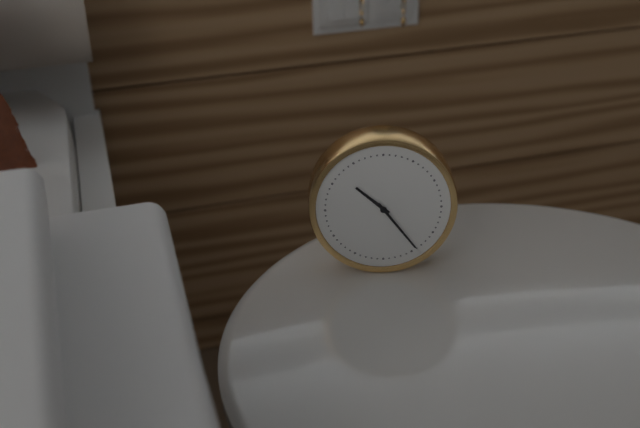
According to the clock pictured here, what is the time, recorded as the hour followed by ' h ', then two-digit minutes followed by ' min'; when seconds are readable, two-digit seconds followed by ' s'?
10 h 24 min
